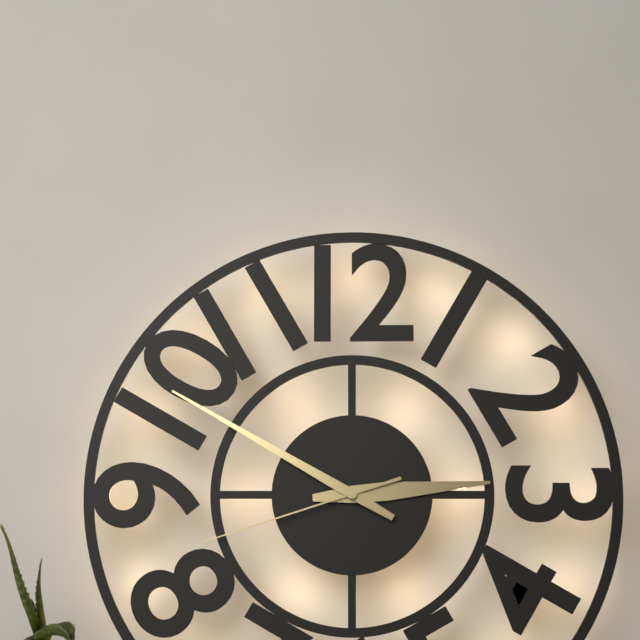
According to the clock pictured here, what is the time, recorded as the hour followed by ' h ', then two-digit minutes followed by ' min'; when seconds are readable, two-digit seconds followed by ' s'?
2 h 50 min 42 s
